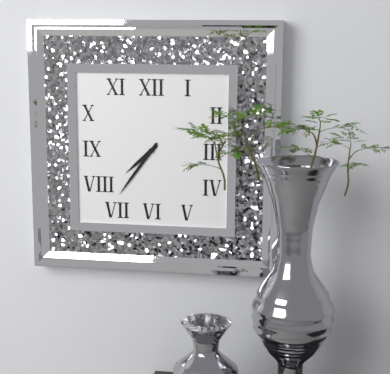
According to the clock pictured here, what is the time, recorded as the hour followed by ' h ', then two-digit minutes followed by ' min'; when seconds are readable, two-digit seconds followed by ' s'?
7 h 36 min
